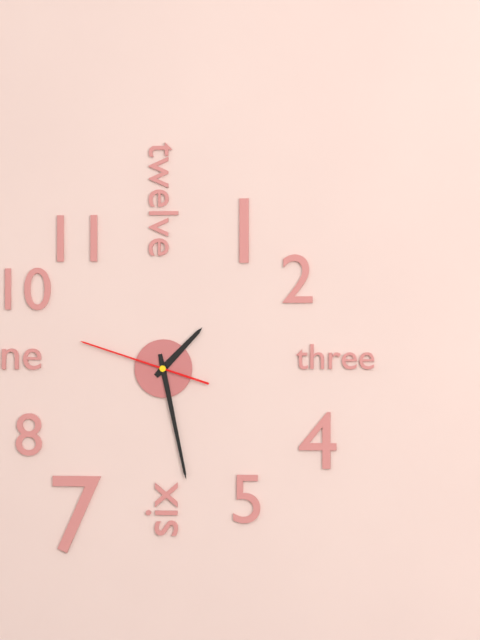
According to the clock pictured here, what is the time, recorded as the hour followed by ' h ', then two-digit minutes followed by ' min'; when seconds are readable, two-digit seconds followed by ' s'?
1 h 28 min 48 s
